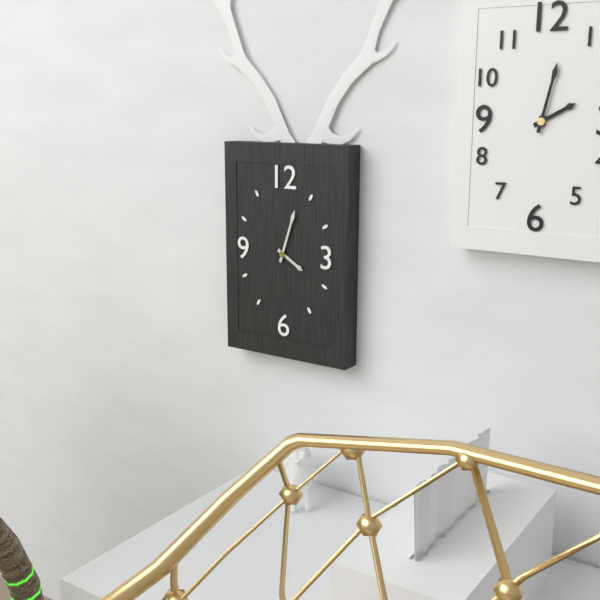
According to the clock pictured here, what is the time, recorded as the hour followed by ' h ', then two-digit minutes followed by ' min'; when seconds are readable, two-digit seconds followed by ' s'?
4 h 03 min
